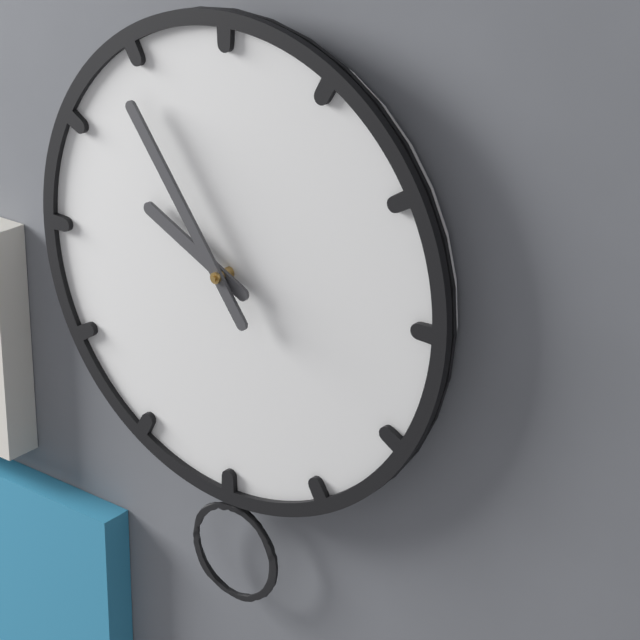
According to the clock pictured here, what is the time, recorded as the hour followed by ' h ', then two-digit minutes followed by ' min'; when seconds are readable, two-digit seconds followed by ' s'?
9 h 54 min
